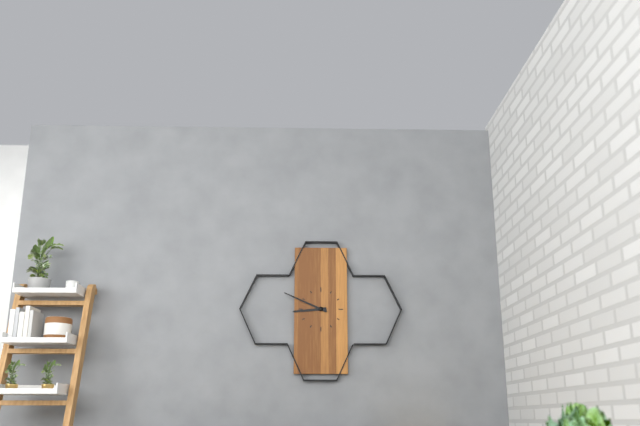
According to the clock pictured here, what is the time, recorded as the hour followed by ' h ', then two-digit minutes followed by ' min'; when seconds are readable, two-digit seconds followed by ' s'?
8 h 49 min
